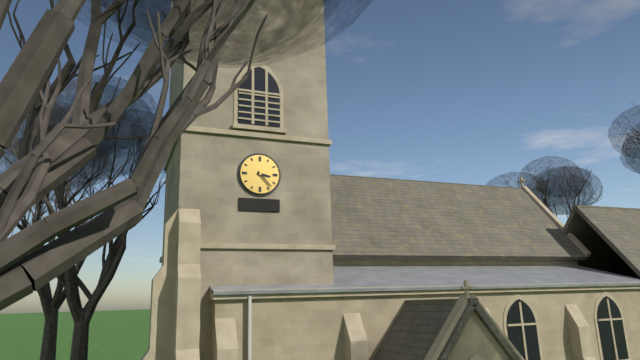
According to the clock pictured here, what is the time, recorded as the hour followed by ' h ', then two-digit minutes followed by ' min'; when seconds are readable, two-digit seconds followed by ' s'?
3 h 23 min
